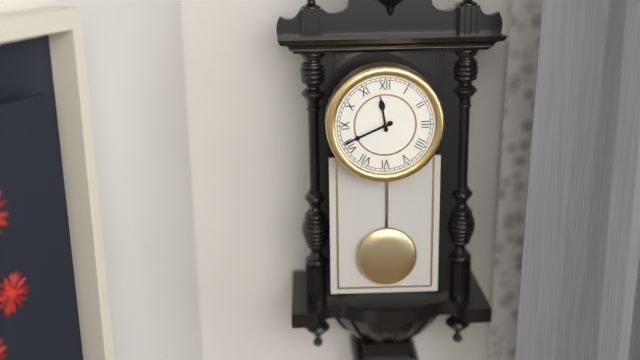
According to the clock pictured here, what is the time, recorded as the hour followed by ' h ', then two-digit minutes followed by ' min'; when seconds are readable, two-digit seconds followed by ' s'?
11 h 41 min
